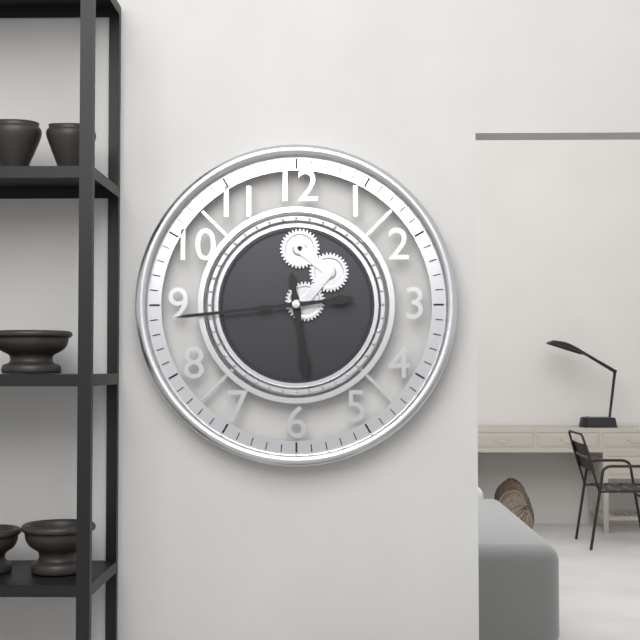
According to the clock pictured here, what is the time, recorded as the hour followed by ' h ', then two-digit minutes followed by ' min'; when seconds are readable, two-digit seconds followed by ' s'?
5 h 44 min
